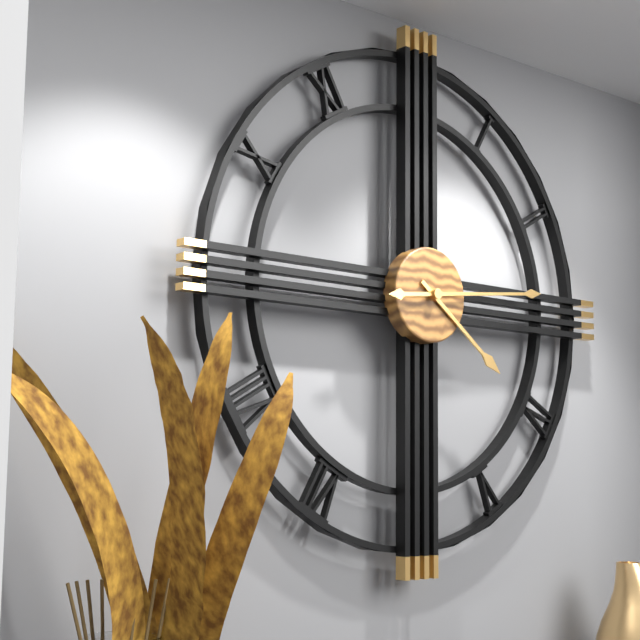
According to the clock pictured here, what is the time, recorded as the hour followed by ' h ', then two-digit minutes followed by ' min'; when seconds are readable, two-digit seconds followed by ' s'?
4 h 14 min
